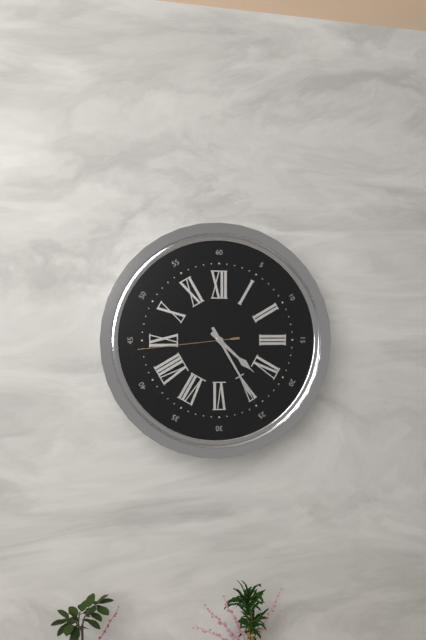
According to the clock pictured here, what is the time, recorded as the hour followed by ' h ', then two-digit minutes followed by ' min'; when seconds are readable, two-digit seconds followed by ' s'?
4 h 25 min 44 s
